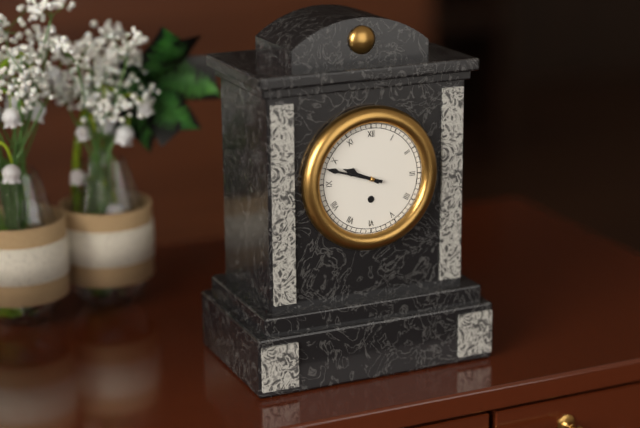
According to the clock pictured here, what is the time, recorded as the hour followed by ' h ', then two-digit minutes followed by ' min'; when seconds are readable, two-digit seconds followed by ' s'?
9 h 48 min
